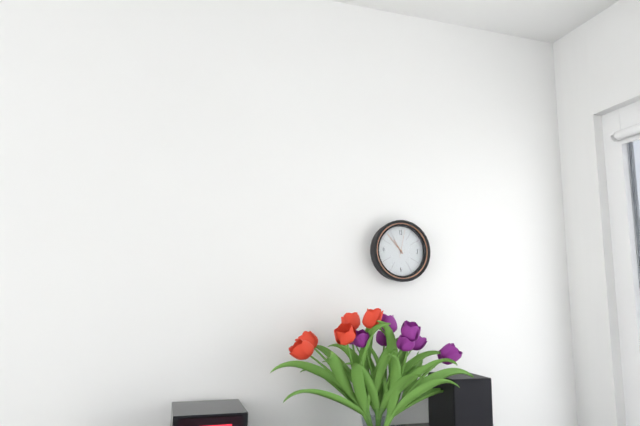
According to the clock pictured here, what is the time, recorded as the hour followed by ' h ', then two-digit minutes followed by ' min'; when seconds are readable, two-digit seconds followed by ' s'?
10 h 53 min
